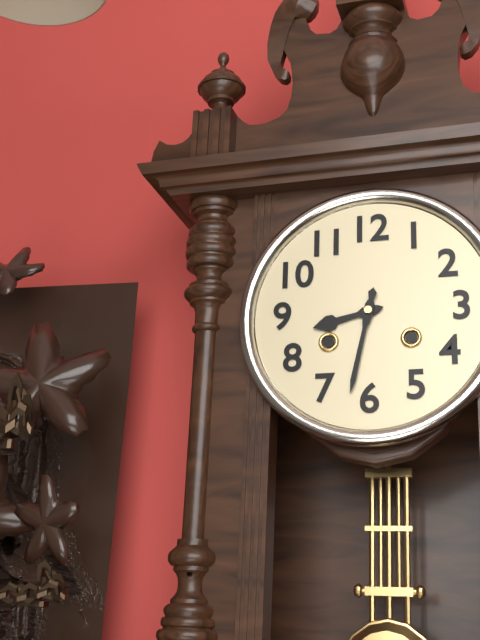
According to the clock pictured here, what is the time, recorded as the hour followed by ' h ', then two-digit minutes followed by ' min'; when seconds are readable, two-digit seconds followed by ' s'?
8 h 32 min
